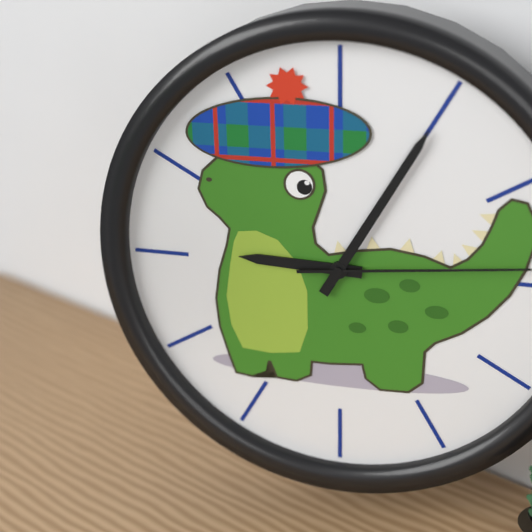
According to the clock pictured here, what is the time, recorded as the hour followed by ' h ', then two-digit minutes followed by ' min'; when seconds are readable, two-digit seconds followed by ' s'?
9 h 05 min
